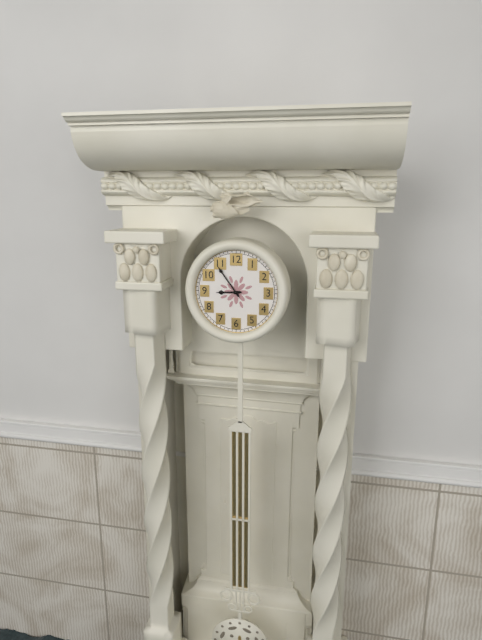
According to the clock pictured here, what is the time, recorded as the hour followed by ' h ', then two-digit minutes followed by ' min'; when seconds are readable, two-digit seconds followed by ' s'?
8 h 54 min
